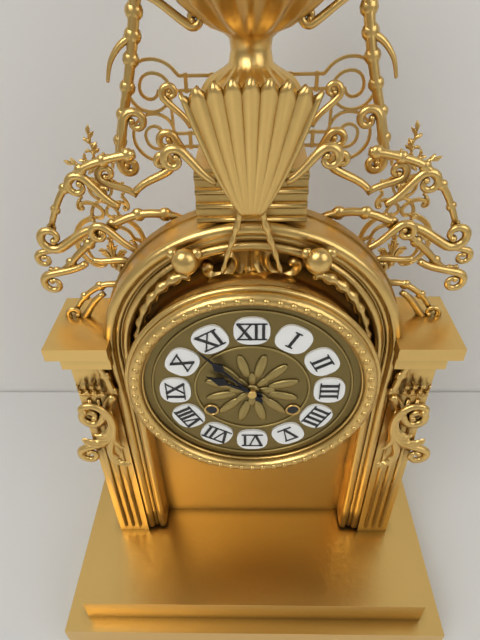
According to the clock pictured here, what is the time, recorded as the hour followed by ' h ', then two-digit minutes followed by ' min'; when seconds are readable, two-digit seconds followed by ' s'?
9 h 53 min
